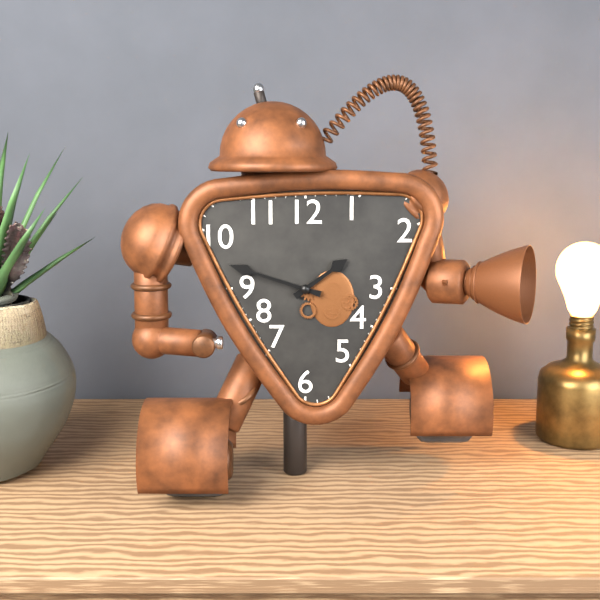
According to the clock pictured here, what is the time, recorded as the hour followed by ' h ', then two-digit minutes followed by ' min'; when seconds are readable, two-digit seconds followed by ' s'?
1 h 48 min
